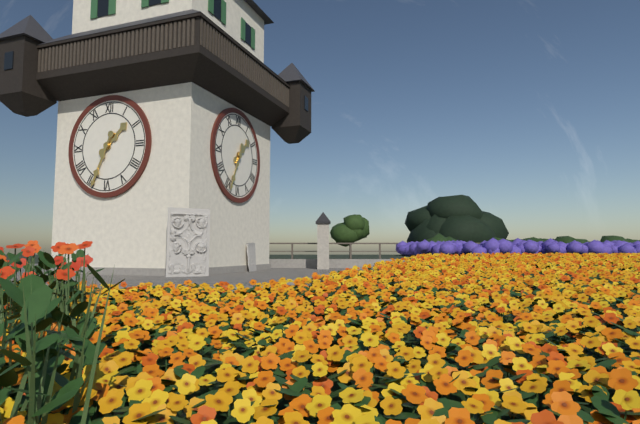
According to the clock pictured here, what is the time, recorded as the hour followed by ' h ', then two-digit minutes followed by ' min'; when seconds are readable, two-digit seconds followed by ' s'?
1 h 34 min
